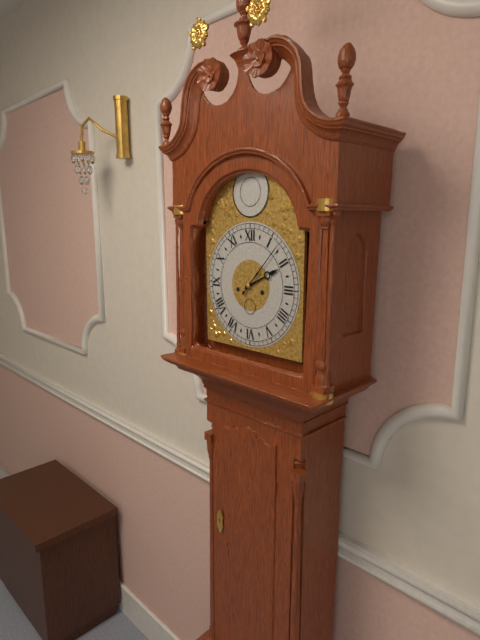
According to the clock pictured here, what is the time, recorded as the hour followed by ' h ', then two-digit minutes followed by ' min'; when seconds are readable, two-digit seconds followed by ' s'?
2 h 07 min
